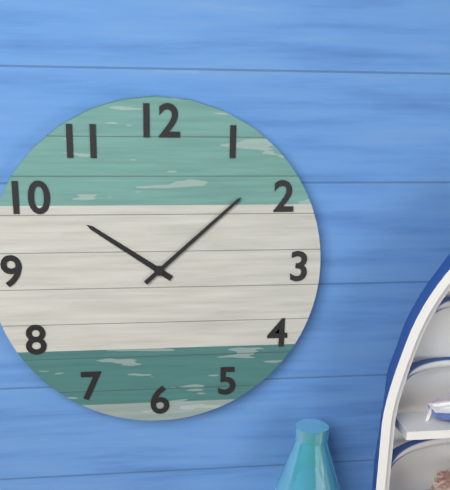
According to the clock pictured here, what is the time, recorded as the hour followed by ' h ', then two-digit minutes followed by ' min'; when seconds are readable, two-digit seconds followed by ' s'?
10 h 08 min
